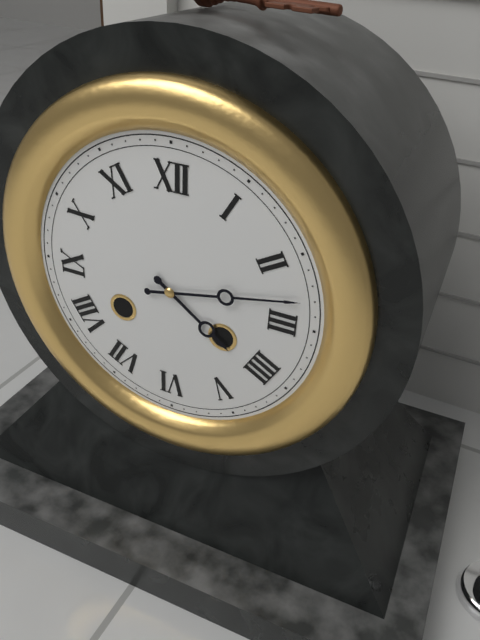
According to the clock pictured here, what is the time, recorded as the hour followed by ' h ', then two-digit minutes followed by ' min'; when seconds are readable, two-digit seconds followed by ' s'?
4 h 13 min
